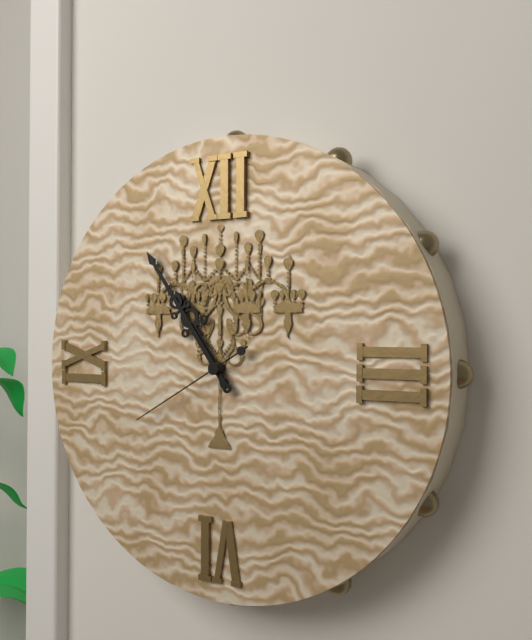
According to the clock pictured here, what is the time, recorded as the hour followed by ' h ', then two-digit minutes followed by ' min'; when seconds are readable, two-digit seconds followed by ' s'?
10 h 54 min 40 s
